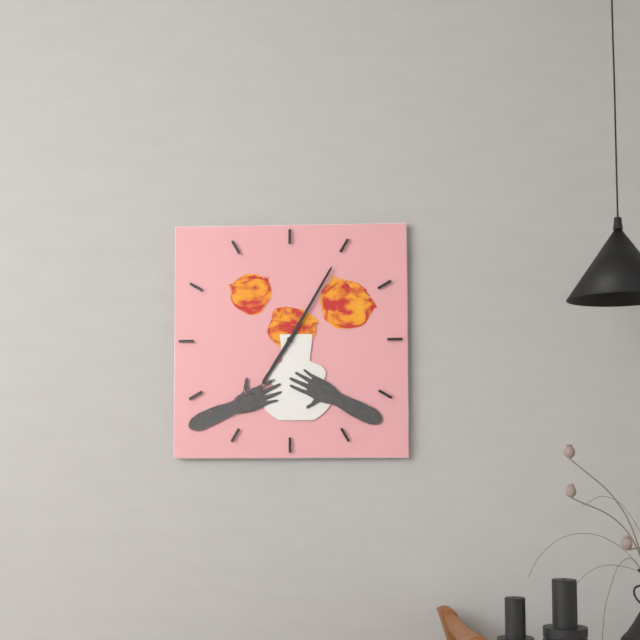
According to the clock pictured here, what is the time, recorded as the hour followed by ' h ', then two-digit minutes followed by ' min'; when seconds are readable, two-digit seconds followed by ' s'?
7 h 05 min
